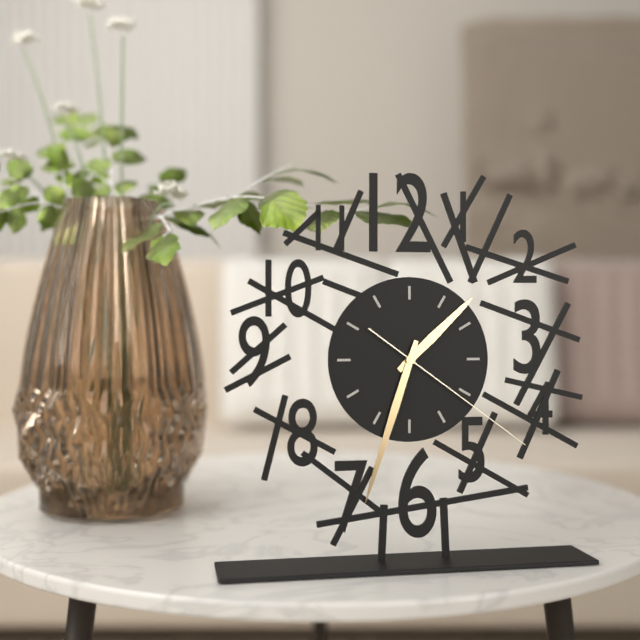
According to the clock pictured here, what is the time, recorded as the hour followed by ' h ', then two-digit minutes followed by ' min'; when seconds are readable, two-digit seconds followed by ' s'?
1 h 33 min 21 s
